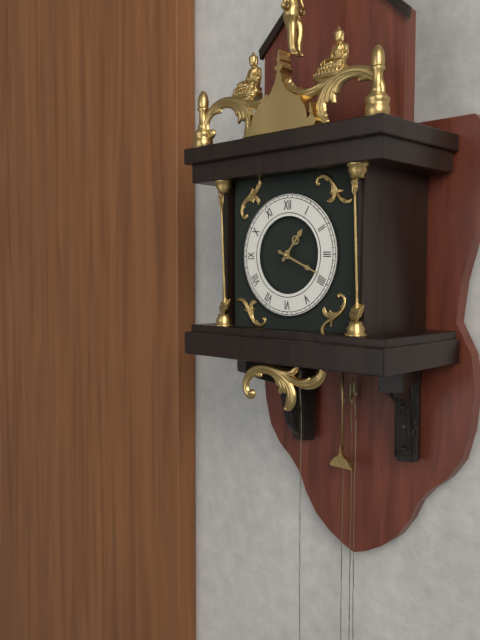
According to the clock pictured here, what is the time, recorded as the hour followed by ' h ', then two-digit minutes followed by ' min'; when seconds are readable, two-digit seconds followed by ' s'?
1 h 19 min
